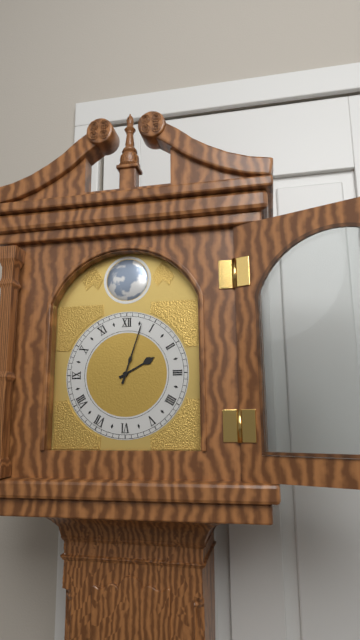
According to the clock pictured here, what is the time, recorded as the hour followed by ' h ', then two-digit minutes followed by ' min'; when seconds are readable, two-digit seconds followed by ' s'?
2 h 03 min
